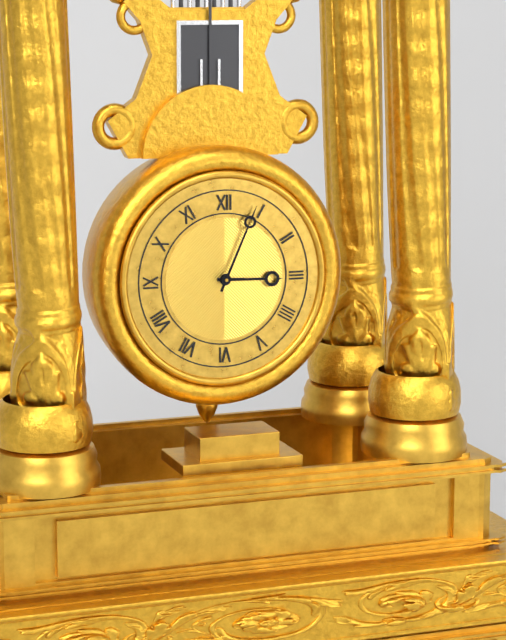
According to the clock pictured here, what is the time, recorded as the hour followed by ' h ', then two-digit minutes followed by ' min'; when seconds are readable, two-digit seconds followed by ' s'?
3 h 04 min
